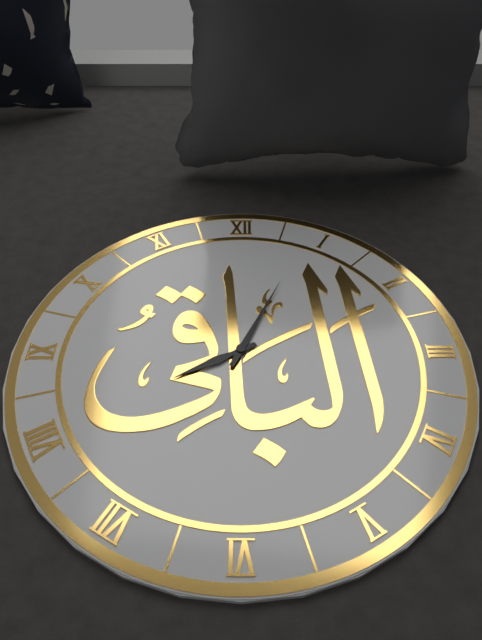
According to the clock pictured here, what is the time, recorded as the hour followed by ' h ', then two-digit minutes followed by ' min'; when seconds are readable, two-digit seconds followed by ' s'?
8 h 04 min
